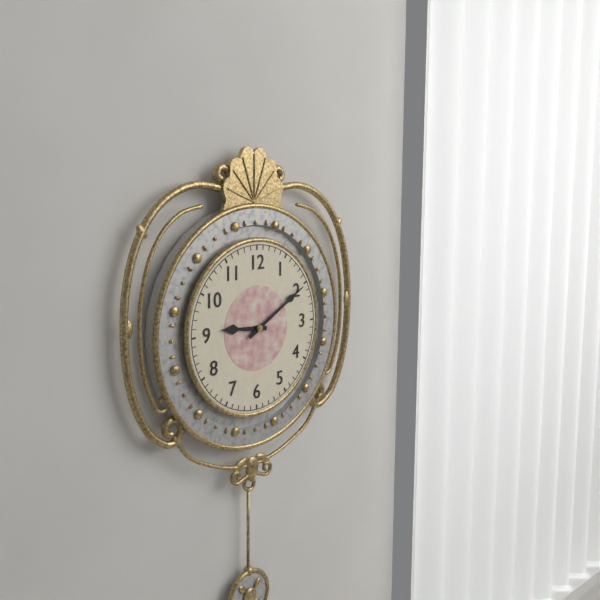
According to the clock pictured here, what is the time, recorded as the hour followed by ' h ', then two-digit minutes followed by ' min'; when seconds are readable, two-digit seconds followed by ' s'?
9 h 10 min
